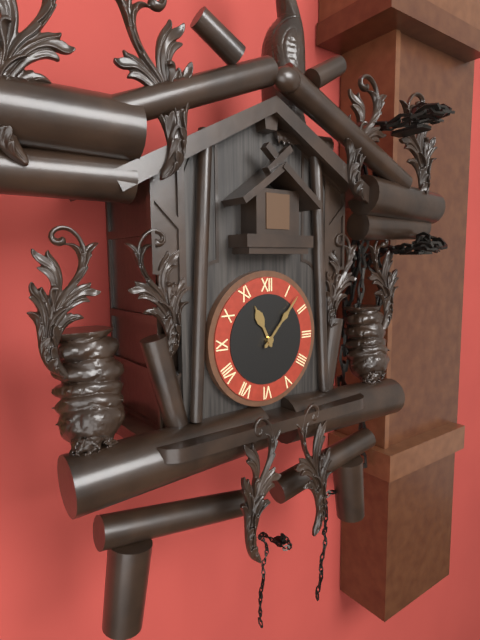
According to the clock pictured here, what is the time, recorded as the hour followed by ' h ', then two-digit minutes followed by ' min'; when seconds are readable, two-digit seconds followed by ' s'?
11 h 07 min
